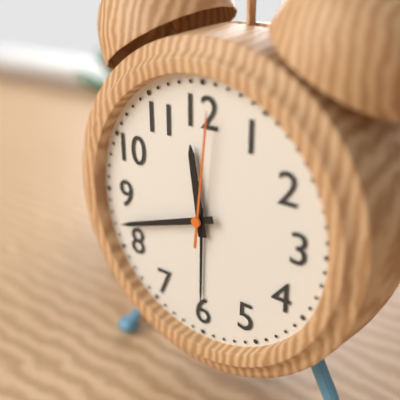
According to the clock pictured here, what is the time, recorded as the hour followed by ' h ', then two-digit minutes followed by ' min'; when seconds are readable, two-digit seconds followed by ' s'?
11 h 42 min 01 s
